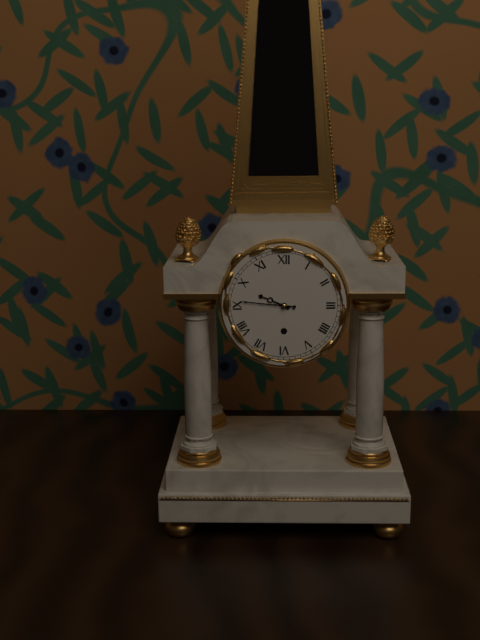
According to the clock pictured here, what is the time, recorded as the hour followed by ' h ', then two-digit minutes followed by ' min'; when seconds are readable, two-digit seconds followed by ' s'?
9 h 46 min
